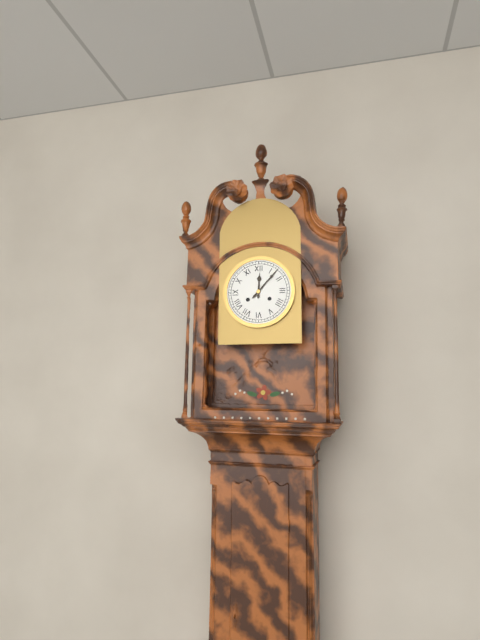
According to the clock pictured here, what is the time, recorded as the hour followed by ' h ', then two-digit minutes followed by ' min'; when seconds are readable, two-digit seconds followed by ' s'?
12 h 07 min
